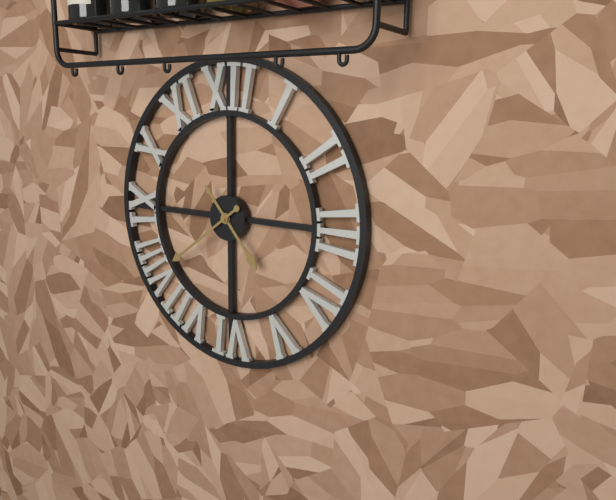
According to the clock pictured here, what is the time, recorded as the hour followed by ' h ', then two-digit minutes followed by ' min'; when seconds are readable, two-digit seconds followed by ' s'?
4 h 39 min
